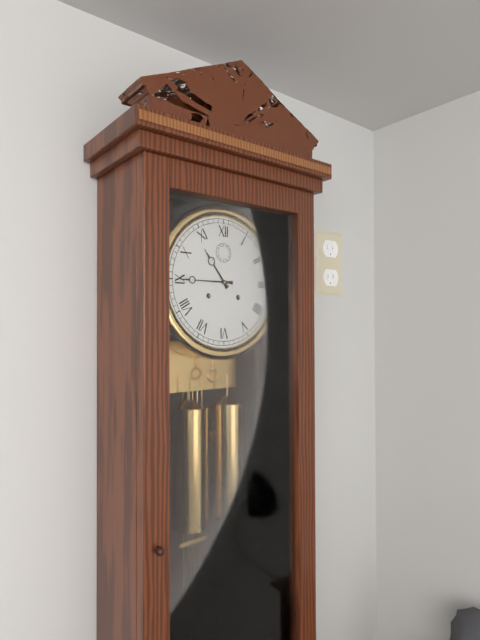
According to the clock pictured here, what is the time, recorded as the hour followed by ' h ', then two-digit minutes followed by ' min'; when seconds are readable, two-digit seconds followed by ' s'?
10 h 45 min
